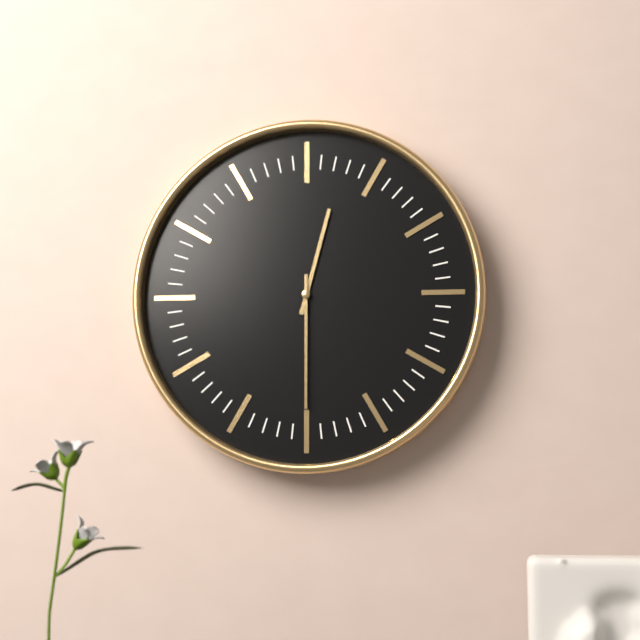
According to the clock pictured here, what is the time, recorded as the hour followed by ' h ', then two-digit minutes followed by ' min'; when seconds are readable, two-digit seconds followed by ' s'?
12 h 30 min
